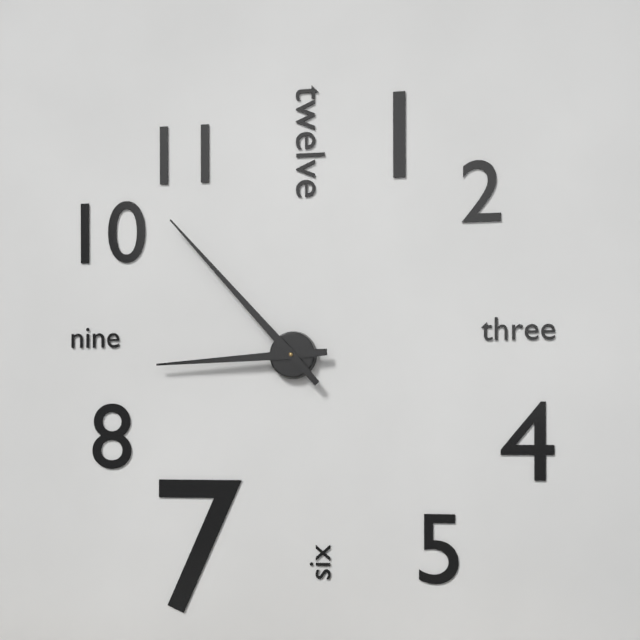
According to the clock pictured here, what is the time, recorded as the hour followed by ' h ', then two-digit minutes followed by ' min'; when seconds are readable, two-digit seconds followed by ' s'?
8 h 53 min
